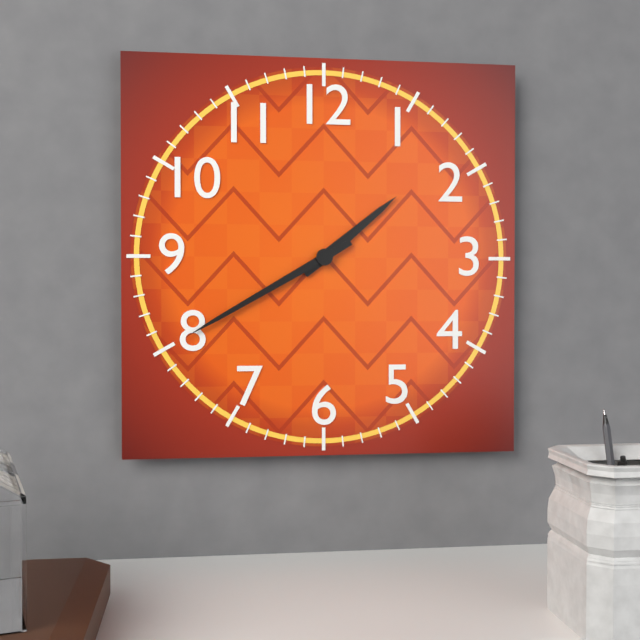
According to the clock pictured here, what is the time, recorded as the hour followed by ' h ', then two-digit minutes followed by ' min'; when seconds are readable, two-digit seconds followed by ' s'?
1 h 40 min
